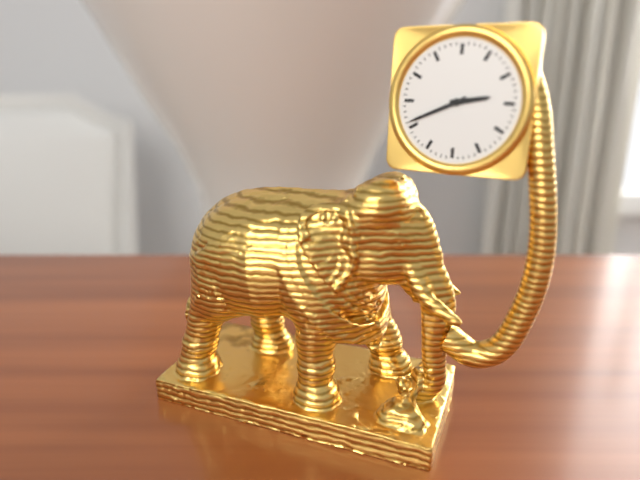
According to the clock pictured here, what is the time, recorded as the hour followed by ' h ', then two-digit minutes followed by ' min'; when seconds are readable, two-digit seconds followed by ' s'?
2 h 41 min
